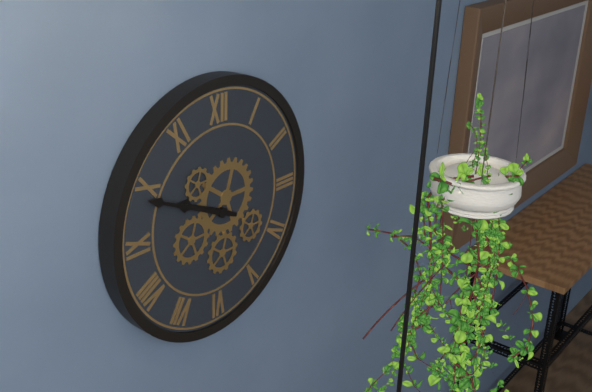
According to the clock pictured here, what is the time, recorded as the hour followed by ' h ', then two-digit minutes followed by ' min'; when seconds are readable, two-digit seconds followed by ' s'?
9 h 49 min
